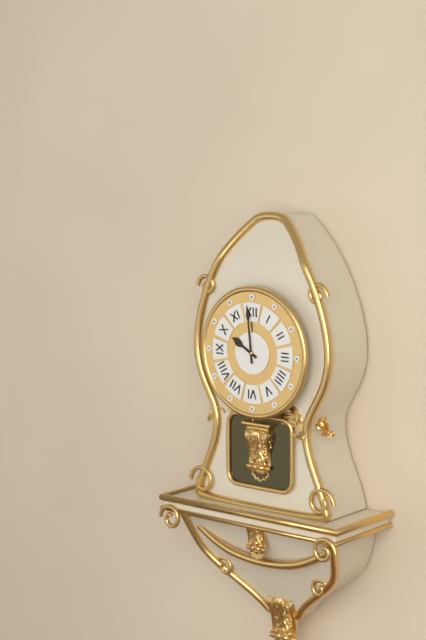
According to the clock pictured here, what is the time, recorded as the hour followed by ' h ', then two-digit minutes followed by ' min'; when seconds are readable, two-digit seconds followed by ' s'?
9 h 59 min
